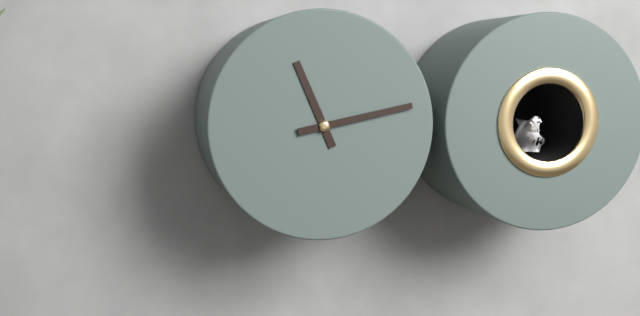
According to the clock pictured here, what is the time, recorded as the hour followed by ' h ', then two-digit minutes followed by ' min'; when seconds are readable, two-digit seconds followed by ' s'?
11 h 13 min
